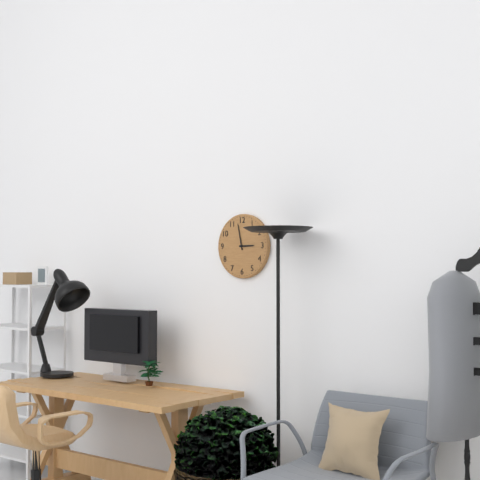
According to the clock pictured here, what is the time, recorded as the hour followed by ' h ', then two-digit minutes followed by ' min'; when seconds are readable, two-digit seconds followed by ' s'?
2 h 58 min
